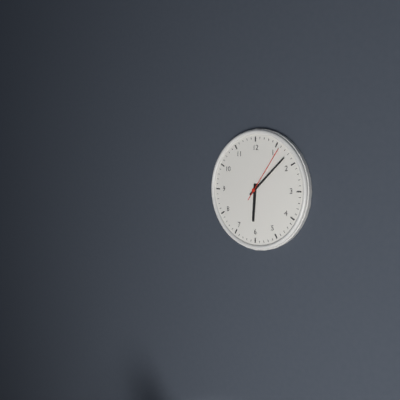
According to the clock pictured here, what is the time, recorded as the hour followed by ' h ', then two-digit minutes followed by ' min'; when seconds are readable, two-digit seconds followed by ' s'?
6 h 08 min 06 s
